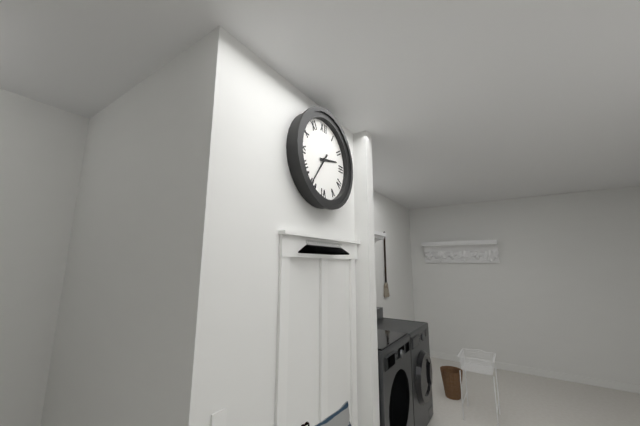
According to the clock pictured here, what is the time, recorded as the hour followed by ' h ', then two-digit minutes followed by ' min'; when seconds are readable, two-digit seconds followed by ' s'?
2 h 36 min
